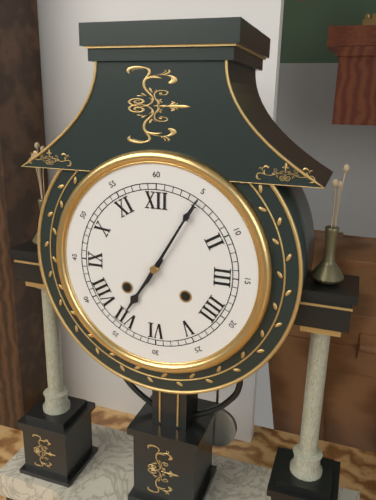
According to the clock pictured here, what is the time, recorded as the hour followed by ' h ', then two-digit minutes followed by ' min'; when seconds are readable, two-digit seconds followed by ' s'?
7 h 05 min
